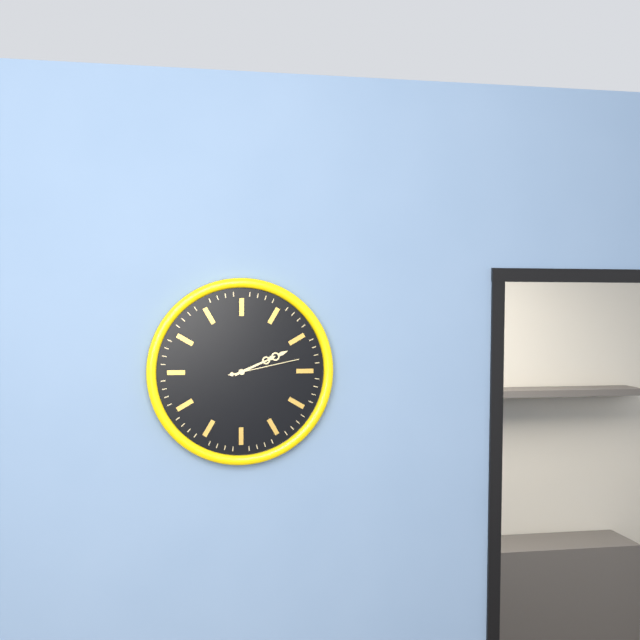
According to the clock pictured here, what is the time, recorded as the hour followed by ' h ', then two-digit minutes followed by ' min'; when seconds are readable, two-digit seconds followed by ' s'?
2 h 11 min 13 s
